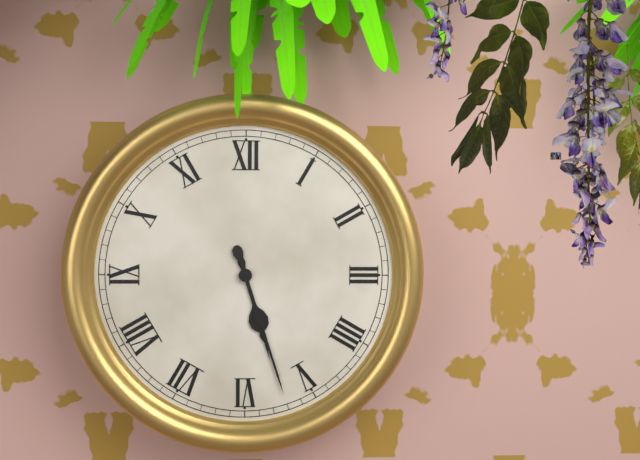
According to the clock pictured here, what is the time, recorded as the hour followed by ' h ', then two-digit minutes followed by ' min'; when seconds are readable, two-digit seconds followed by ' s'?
5 h 27 min
